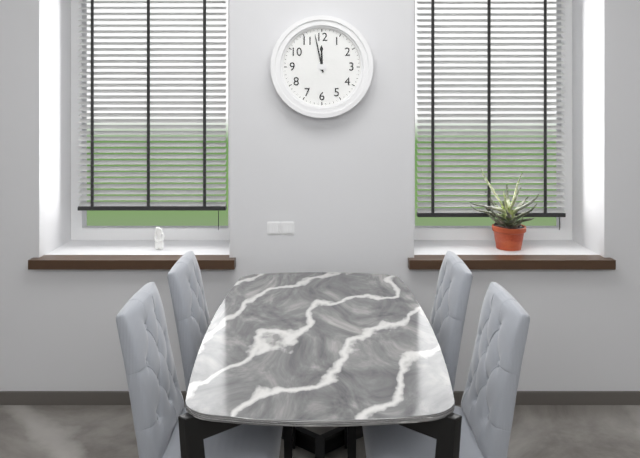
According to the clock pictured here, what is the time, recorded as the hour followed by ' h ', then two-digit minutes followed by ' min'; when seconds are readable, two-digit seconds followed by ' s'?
11 h 58 min
